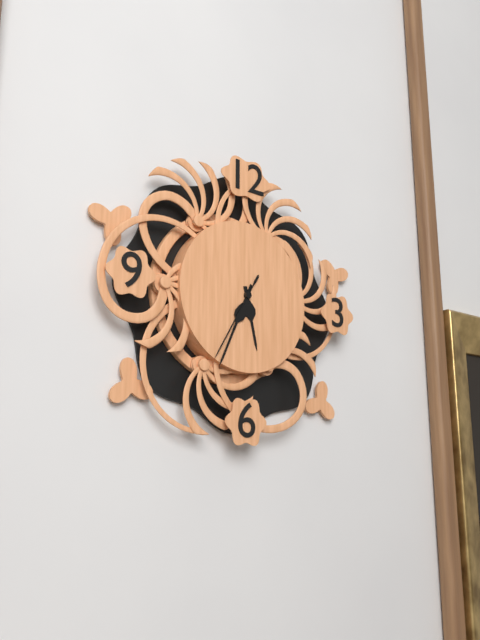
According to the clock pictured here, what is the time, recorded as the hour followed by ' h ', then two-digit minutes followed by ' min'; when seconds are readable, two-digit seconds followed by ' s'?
5 h 34 min 35 s
